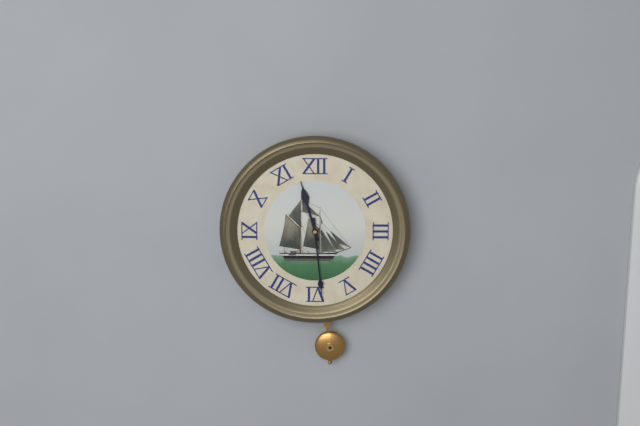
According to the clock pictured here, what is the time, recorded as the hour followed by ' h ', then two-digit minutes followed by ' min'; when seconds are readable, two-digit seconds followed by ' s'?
11 h 29 min
